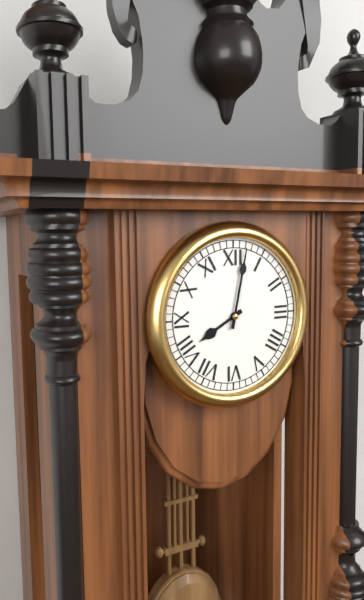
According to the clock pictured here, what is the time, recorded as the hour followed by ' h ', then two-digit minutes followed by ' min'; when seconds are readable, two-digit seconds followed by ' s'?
8 h 02 min
